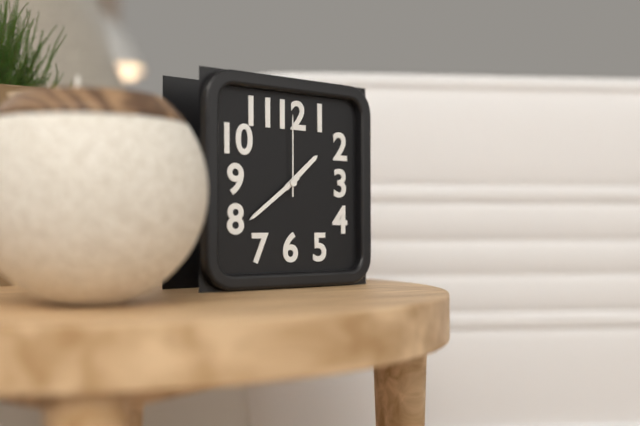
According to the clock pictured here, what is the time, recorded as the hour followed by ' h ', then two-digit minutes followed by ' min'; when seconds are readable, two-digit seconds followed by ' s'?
1 h 39 min 00 s
